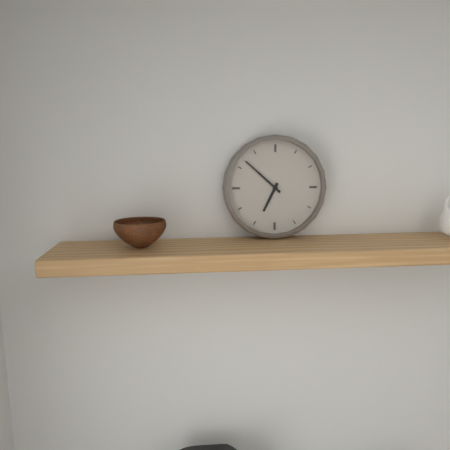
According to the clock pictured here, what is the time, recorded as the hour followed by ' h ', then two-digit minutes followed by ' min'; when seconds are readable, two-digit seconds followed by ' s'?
6 h 52 min
